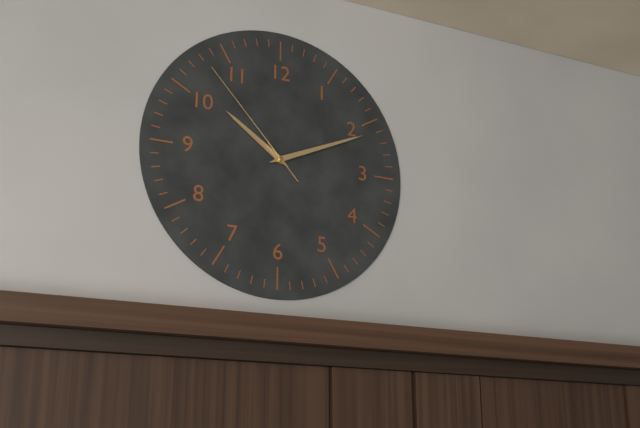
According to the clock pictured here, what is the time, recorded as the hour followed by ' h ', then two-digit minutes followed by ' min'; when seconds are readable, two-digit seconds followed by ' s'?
10 h 11 min 53 s
